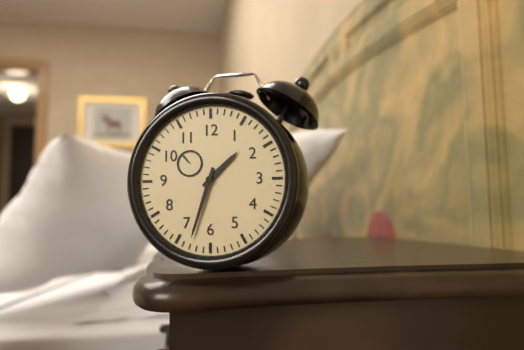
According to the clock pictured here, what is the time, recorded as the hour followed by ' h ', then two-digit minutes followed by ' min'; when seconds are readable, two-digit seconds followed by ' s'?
1 h 33 min
